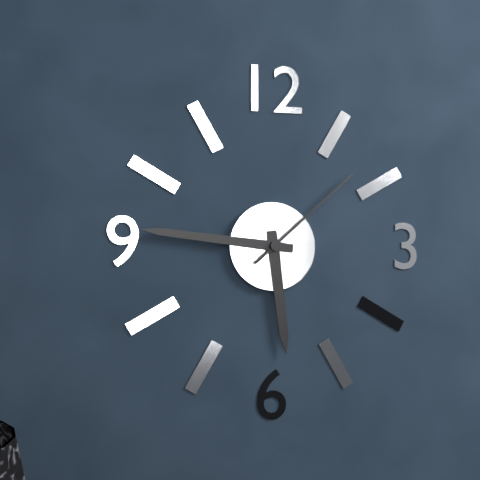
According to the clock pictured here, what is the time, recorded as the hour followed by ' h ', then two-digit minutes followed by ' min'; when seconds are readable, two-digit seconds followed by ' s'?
5 h 46 min 08 s
